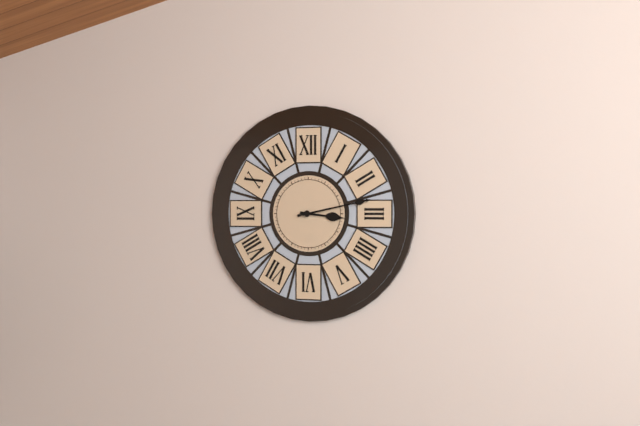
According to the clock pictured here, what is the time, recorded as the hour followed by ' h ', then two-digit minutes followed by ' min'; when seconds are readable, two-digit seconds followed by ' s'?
3 h 13 min
